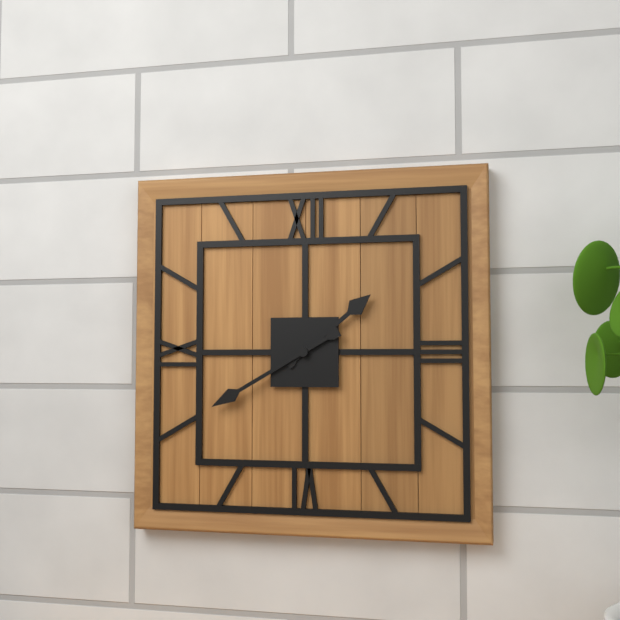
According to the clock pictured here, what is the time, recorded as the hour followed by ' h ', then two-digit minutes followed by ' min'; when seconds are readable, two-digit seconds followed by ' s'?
1 h 40 min
